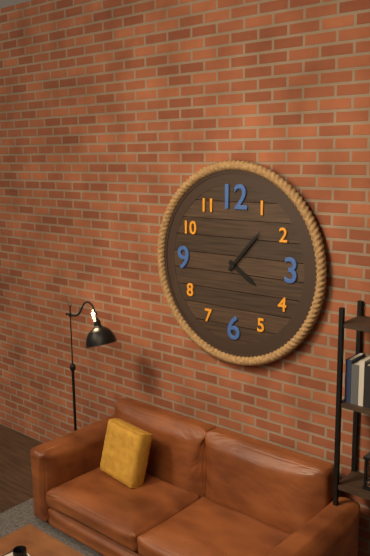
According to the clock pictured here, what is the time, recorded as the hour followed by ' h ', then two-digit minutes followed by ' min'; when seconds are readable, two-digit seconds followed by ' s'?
4 h 07 min
